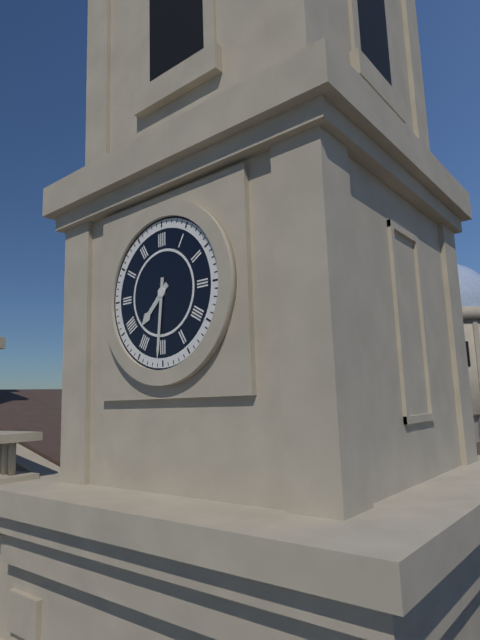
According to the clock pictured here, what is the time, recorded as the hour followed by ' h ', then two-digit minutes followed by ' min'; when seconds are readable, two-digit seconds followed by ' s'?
7 h 31 min
